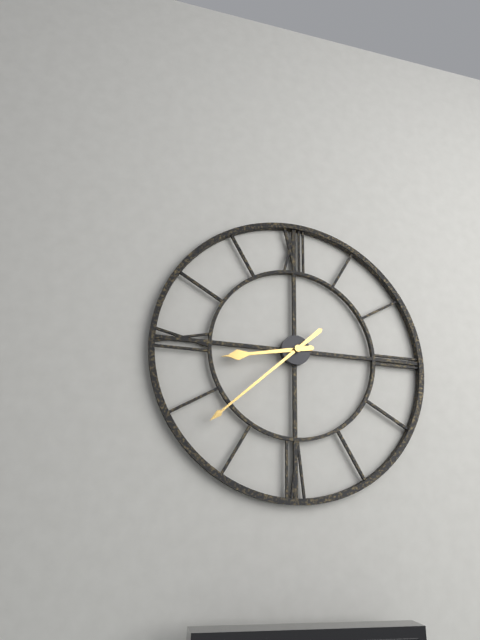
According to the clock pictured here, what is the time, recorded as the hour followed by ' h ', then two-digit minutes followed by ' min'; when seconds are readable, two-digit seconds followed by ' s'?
8 h 38 min
